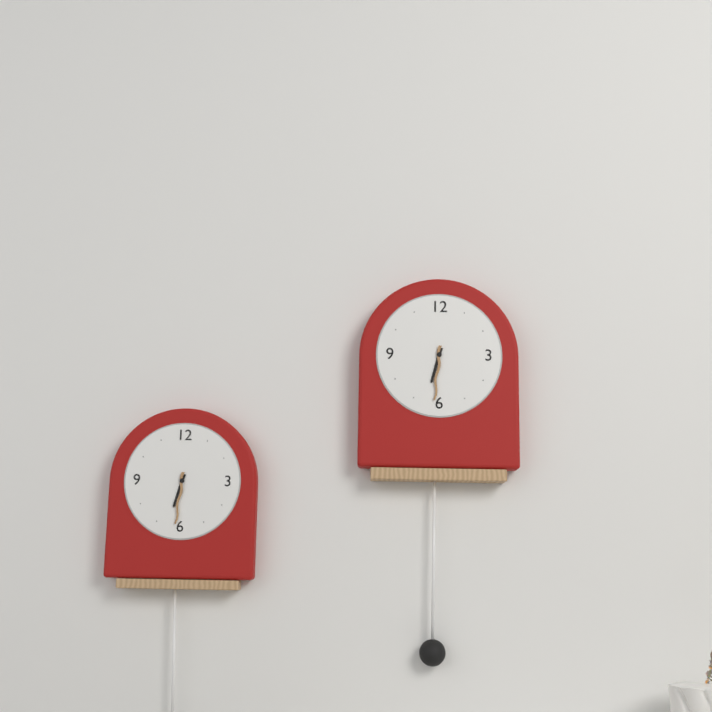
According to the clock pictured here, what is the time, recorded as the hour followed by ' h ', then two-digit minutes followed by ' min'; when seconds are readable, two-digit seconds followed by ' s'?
6 h 31 min
